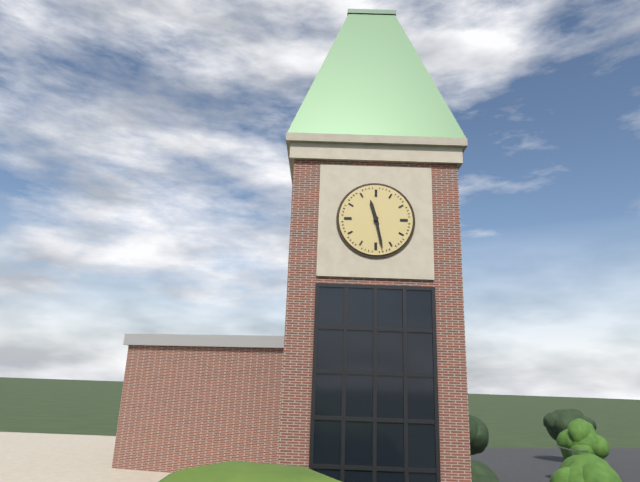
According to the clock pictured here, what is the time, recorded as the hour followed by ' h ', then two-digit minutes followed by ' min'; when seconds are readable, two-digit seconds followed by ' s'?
11 h 28 min
